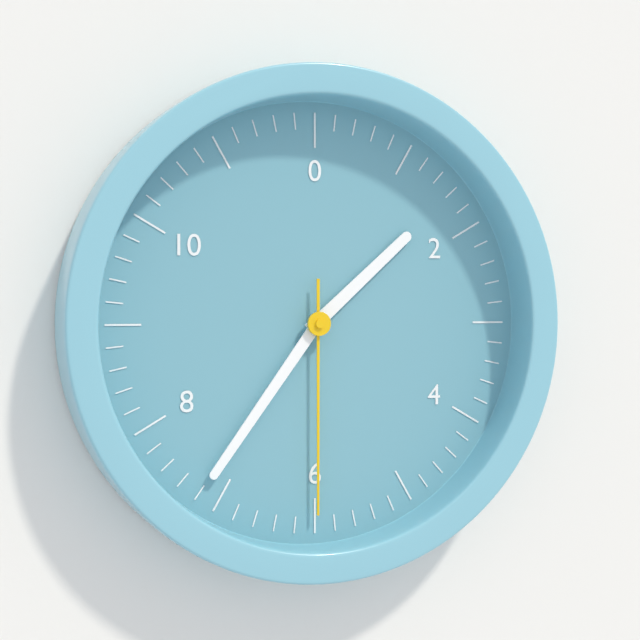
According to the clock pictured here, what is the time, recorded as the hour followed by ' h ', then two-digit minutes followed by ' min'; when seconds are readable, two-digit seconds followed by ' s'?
1 h 36 min 30 s
